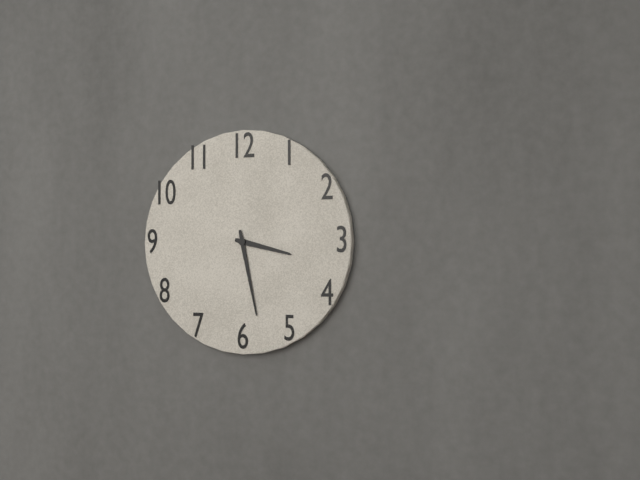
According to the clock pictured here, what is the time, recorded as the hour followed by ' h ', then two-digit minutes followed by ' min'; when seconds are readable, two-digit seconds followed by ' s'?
3 h 28 min
